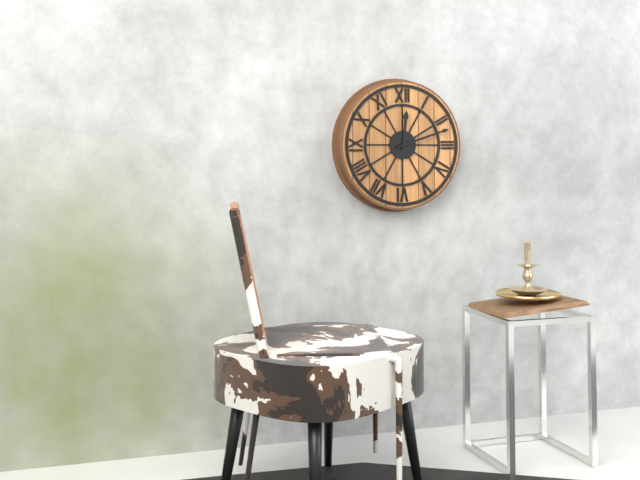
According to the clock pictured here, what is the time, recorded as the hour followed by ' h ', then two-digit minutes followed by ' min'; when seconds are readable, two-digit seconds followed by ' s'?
12 h 12 min
